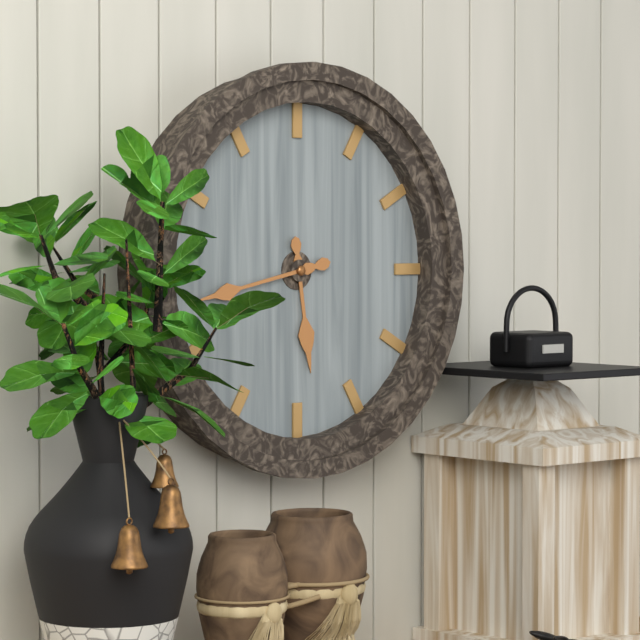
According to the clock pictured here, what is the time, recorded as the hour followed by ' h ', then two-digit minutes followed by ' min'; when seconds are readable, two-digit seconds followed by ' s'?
5 h 43 min
